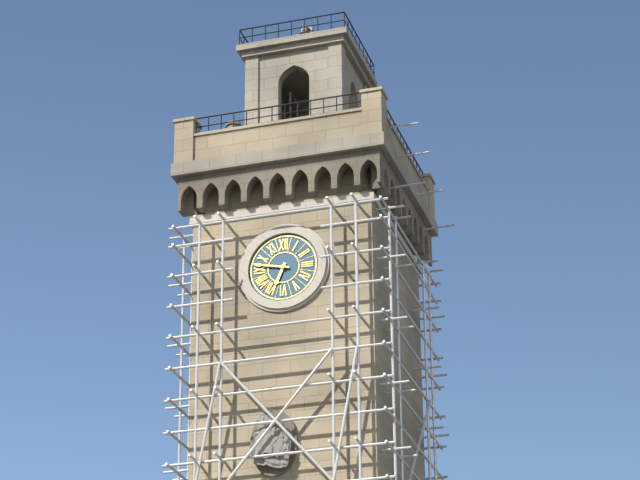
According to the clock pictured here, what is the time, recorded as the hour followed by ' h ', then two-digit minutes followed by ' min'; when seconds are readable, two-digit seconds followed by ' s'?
6 h 47 min
